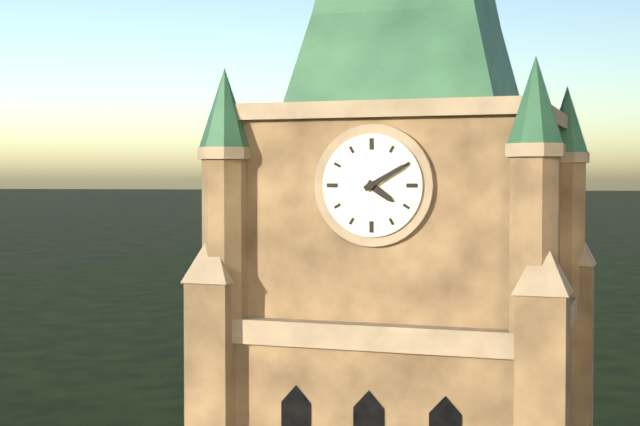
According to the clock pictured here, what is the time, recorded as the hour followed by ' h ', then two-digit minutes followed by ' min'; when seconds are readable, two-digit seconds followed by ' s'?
4 h 10 min
